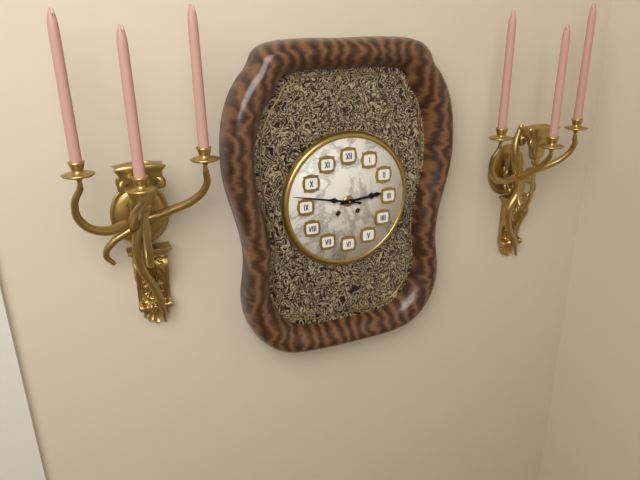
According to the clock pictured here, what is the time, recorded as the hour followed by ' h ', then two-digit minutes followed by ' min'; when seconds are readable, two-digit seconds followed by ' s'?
2 h 47 min
